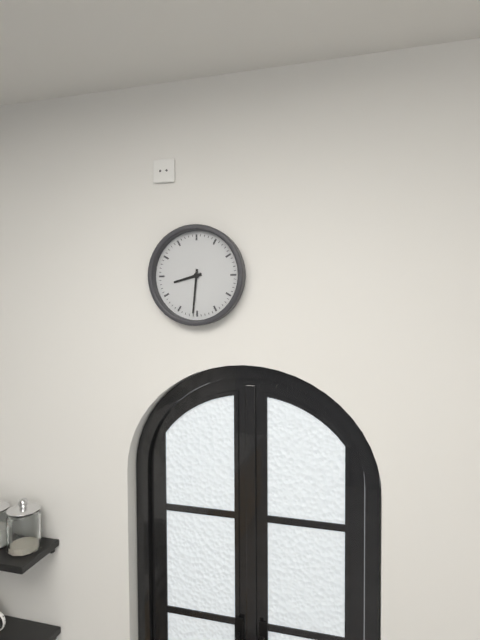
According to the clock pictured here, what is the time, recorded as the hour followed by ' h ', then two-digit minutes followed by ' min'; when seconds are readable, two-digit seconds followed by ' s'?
8 h 31 min
